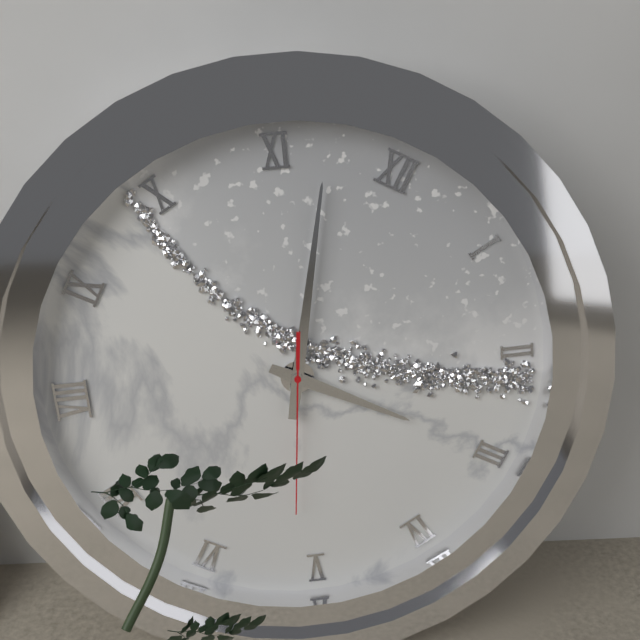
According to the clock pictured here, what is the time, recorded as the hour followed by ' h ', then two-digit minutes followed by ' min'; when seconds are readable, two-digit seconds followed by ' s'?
2 h 57 min 26 s
